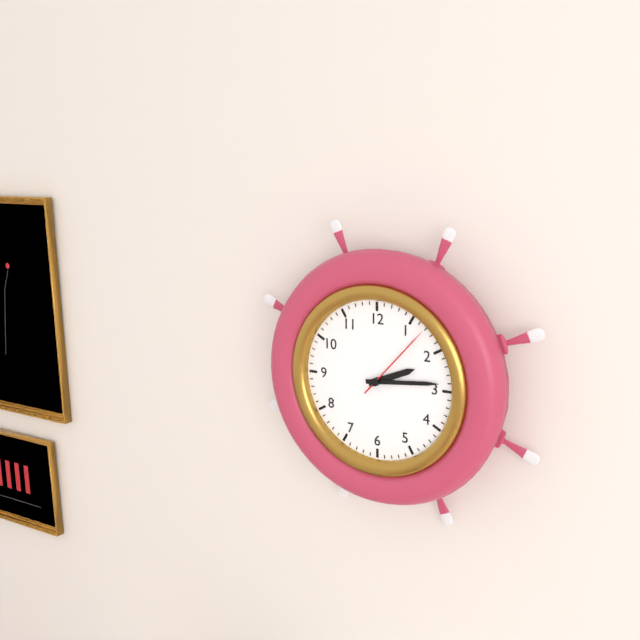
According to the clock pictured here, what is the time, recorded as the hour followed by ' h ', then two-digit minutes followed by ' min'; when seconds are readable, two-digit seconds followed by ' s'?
2 h 14 min 07 s
